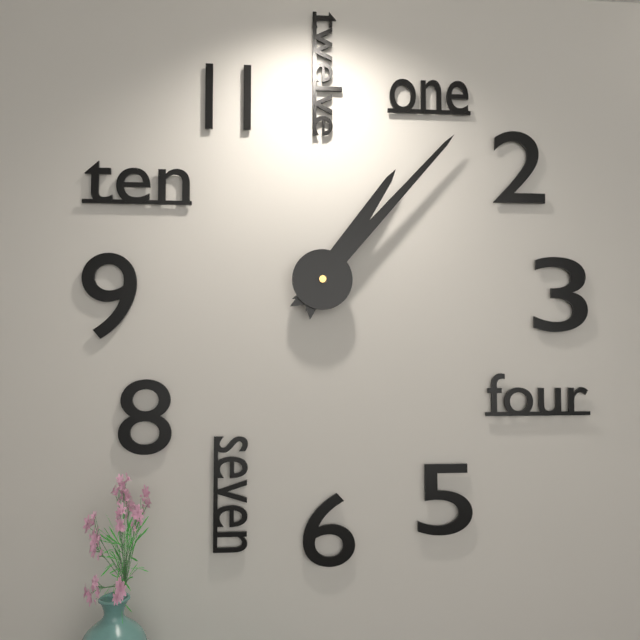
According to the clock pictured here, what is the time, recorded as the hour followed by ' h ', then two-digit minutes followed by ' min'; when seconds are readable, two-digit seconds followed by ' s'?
1 h 07 min
